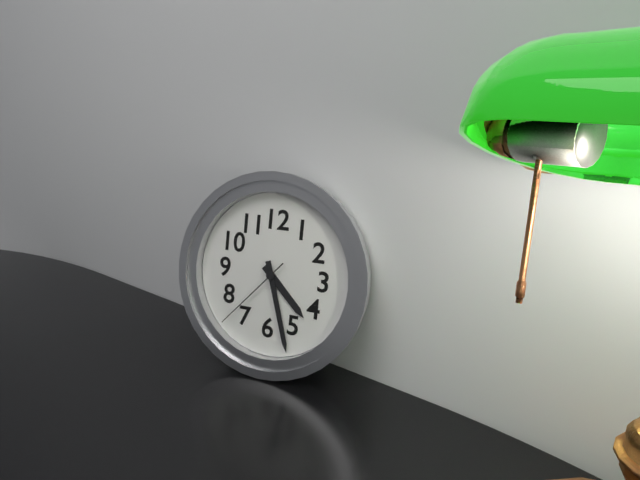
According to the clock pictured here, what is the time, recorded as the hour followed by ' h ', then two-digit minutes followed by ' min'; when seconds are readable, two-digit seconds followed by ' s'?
4 h 27 min 37 s
